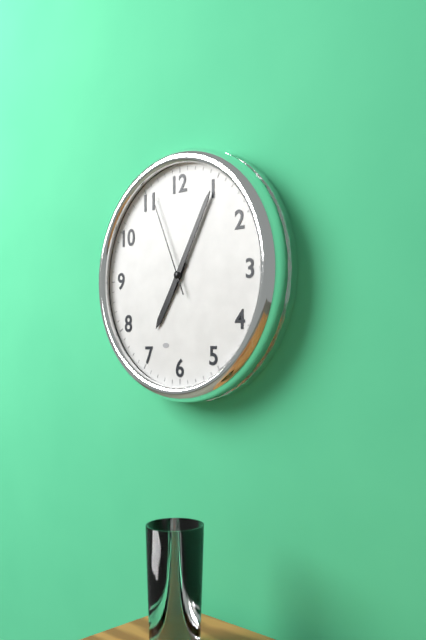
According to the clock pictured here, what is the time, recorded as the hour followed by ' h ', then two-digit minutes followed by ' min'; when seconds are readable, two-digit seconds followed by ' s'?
7 h 05 min 56 s
